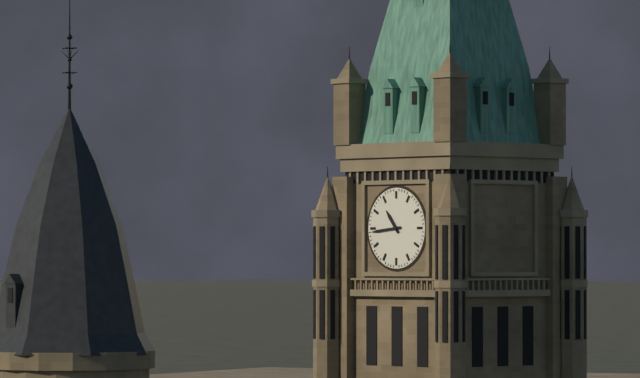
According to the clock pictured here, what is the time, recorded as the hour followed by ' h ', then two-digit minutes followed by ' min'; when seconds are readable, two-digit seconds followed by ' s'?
10 h 44 min
